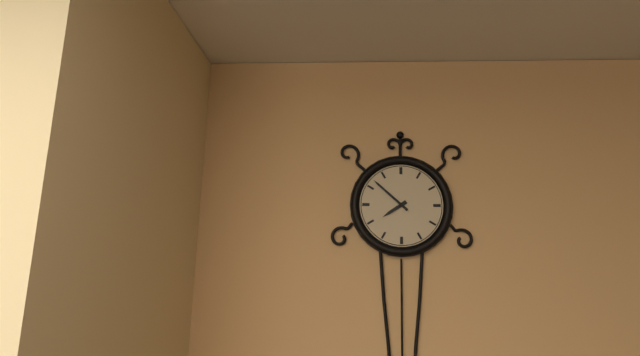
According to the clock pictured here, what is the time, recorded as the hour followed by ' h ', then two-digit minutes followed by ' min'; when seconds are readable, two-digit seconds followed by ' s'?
7 h 52 min
